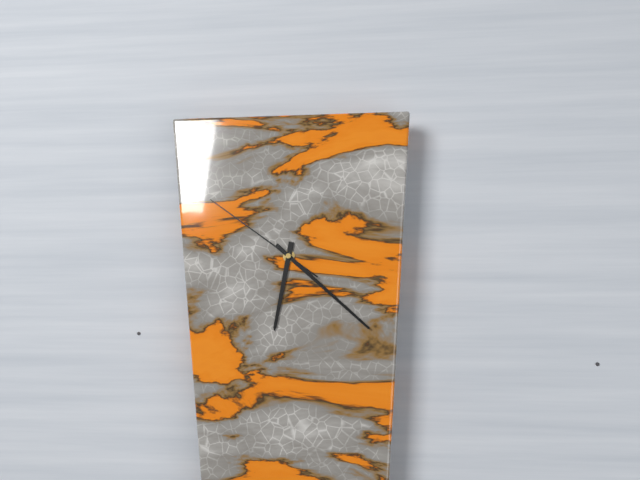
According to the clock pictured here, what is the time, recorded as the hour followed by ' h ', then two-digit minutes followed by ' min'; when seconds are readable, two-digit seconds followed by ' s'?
6 h 22 min 51 s
